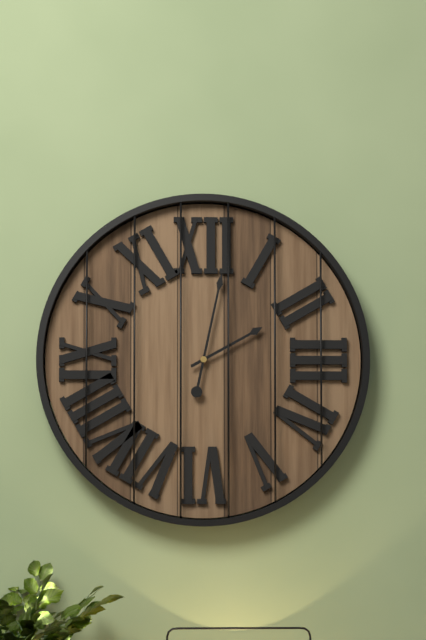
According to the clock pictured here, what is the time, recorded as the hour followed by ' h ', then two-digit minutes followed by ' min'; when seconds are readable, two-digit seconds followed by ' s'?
2 h 02 min
